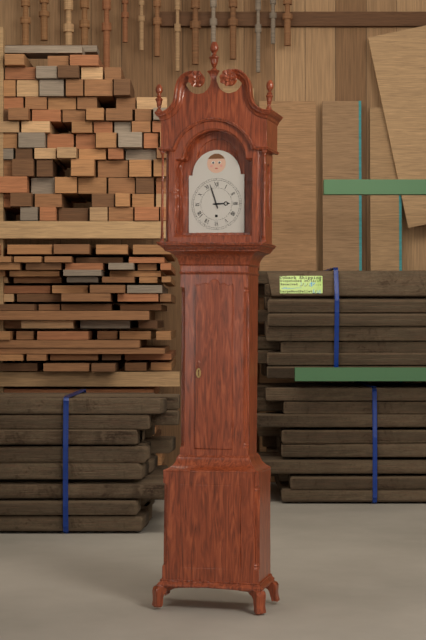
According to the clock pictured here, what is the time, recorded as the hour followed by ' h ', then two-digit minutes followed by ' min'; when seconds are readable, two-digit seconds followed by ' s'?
2 h 57 min
